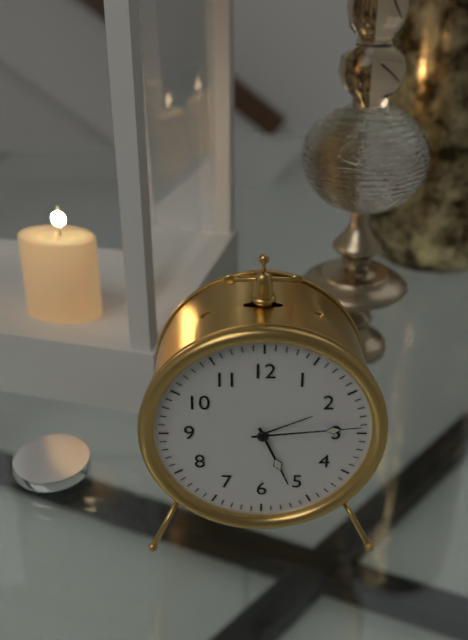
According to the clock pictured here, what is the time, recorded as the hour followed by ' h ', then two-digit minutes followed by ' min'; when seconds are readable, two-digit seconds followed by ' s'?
5 h 14 min
